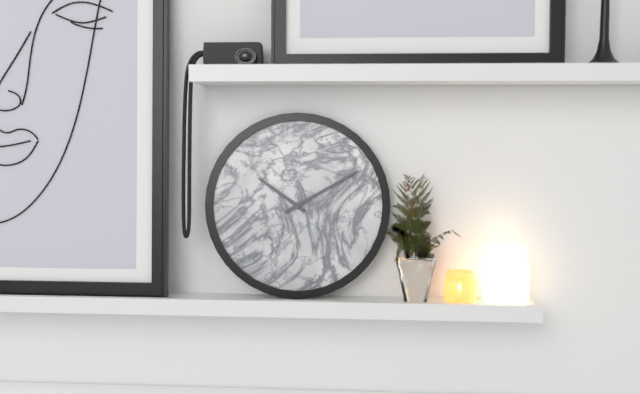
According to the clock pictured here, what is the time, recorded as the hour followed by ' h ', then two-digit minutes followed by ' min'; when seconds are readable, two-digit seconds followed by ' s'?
10 h 10 min
